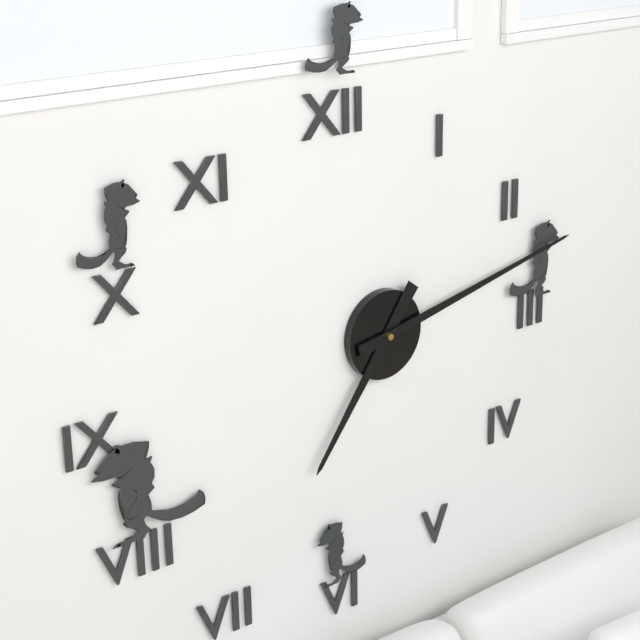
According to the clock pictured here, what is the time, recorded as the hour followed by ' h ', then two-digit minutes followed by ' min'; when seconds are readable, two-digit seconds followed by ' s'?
7 h 13 min
